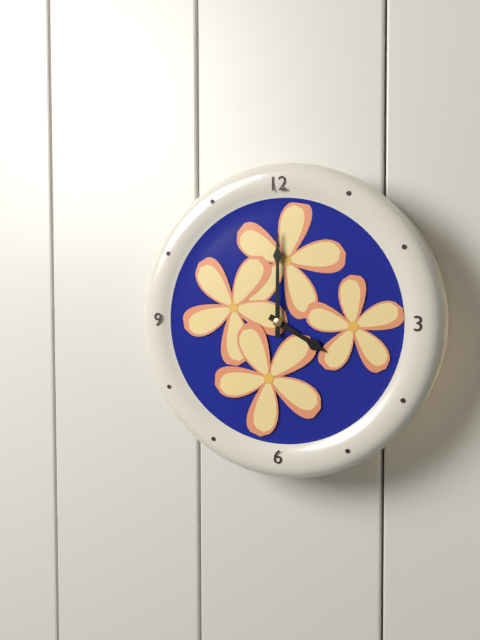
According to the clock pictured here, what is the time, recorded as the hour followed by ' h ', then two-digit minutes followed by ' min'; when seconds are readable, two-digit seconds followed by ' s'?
4 h 00 min
